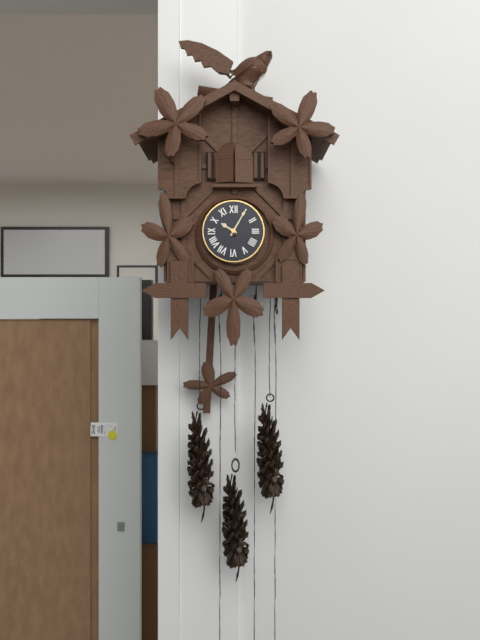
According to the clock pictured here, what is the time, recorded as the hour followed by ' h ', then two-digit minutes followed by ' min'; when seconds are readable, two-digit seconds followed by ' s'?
10 h 05 min
